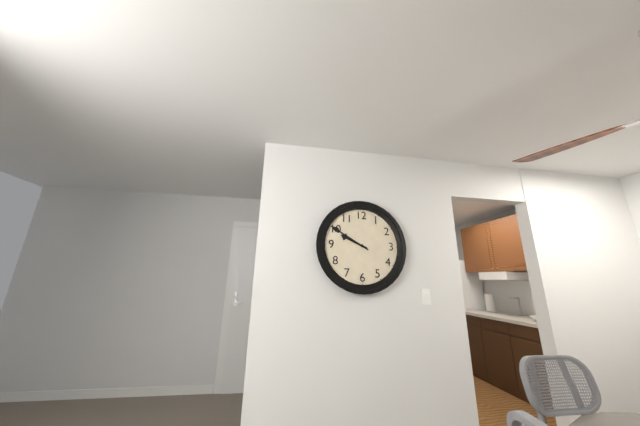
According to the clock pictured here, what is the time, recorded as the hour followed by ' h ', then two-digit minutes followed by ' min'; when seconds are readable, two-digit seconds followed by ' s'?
9 h 50 min
